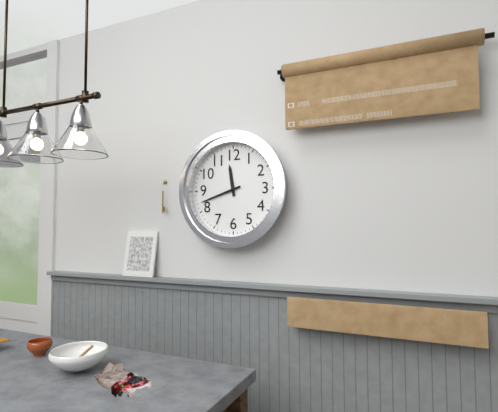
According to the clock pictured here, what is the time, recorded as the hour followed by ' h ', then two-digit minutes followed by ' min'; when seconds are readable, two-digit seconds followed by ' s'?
11 h 42 min
